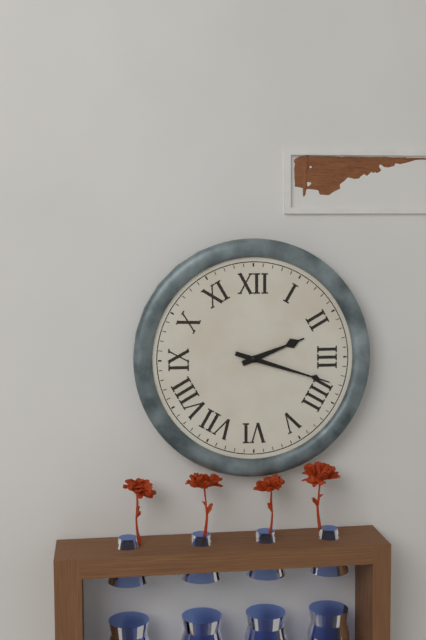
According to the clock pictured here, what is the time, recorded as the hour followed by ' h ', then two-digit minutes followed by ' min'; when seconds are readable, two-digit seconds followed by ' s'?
2 h 18 min
